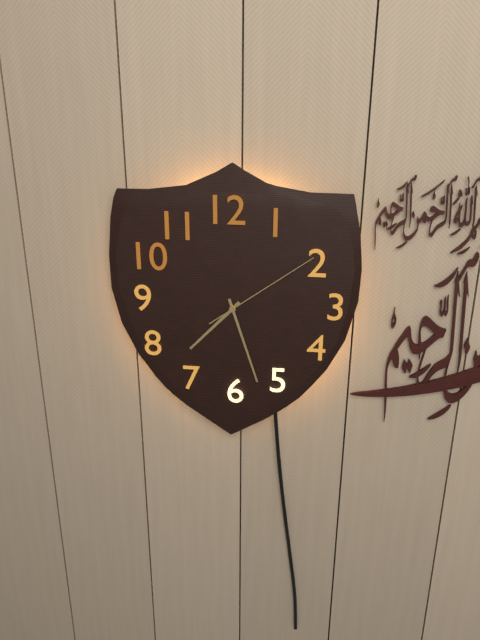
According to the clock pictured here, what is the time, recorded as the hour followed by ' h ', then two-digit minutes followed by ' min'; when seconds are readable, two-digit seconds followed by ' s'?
7 h 27 min 09 s
